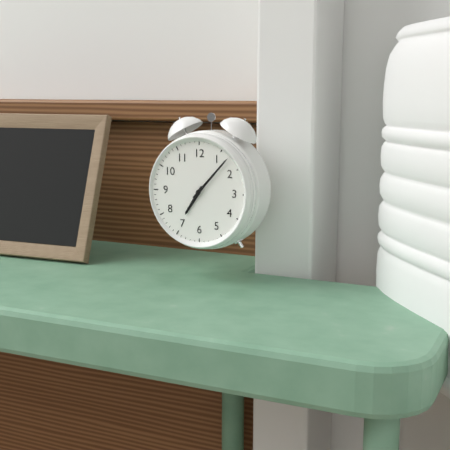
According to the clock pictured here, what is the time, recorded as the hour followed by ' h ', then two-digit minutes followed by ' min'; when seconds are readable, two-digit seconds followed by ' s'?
7 h 07 min
